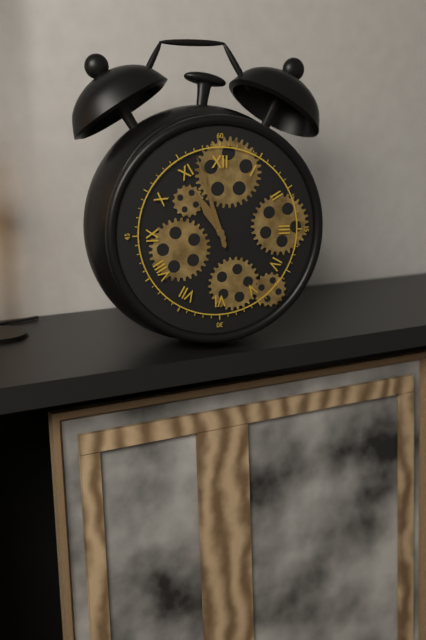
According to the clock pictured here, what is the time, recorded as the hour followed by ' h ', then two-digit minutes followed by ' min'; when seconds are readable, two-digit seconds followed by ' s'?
10 h 57 min
